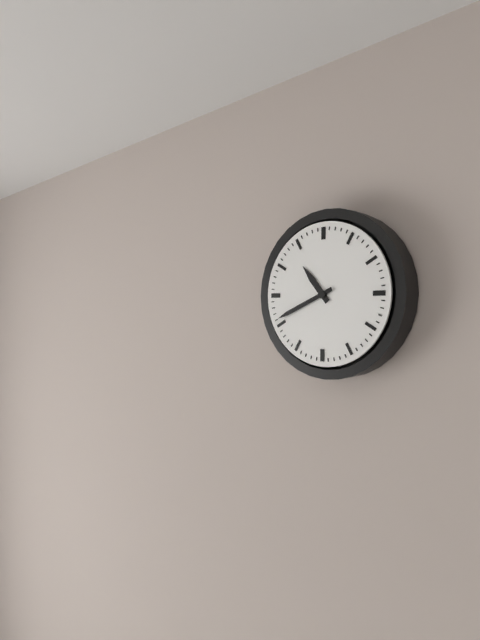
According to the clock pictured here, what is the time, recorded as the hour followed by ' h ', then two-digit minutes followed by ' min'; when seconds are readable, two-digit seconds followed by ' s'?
10 h 41 min
